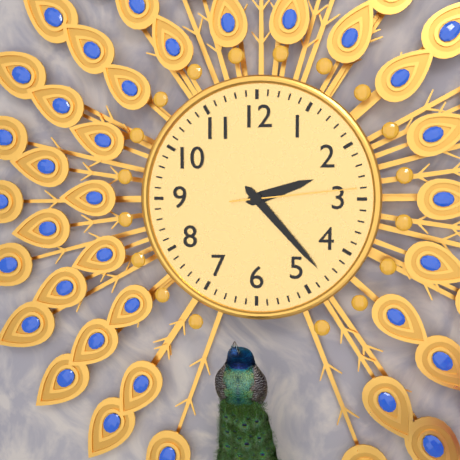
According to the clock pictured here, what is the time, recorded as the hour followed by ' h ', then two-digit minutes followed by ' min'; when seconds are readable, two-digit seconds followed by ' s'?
2 h 23 min 14 s
